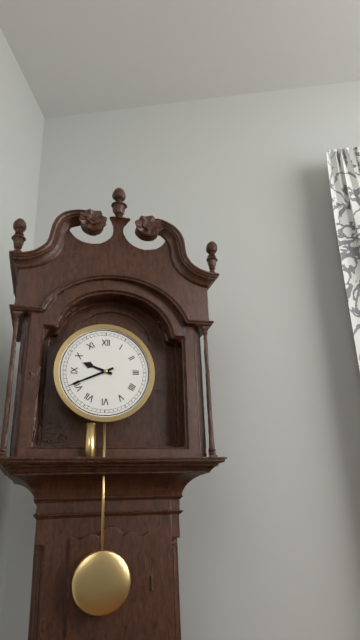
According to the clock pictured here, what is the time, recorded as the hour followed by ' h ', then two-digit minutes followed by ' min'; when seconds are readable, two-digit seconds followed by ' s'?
9 h 41 min
